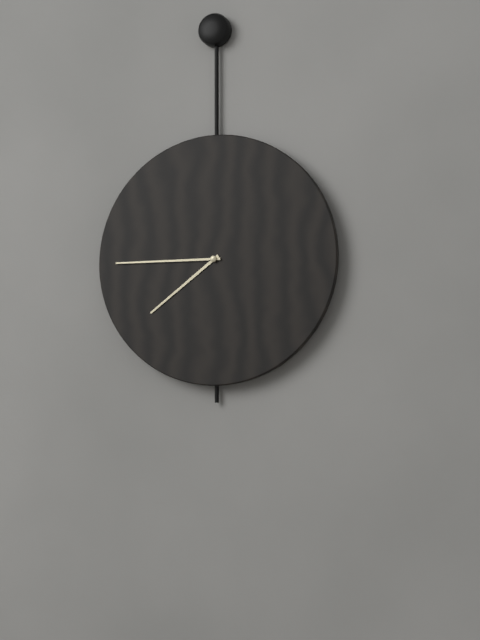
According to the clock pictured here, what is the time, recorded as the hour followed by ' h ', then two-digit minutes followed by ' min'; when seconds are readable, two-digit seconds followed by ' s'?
7 h 45 min
